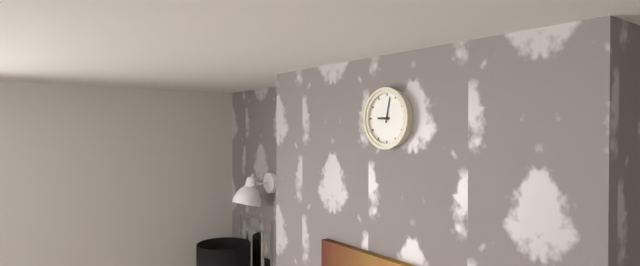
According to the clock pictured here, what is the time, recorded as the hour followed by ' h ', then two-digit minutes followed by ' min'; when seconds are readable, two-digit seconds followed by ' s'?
9 h 02 min
